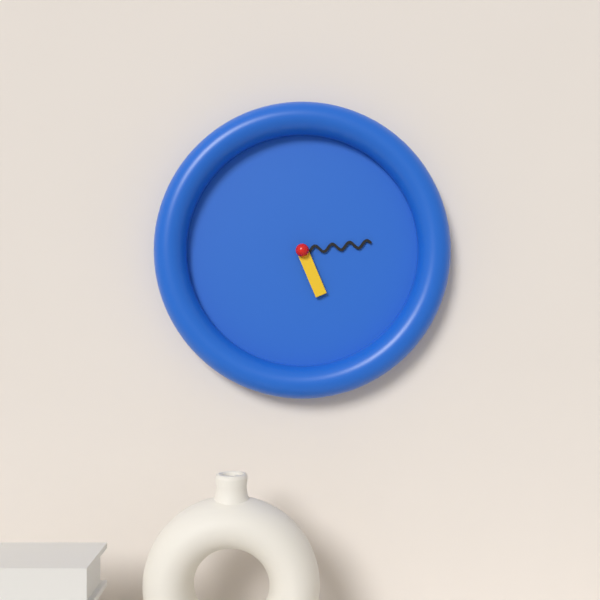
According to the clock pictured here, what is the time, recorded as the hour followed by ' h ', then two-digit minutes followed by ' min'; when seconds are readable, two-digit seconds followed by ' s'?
5 h 14 min
